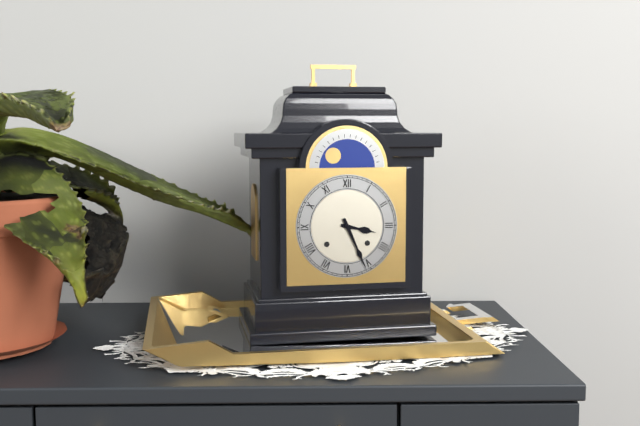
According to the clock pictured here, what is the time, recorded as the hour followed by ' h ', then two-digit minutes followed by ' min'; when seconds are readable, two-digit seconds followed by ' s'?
3 h 26 min
